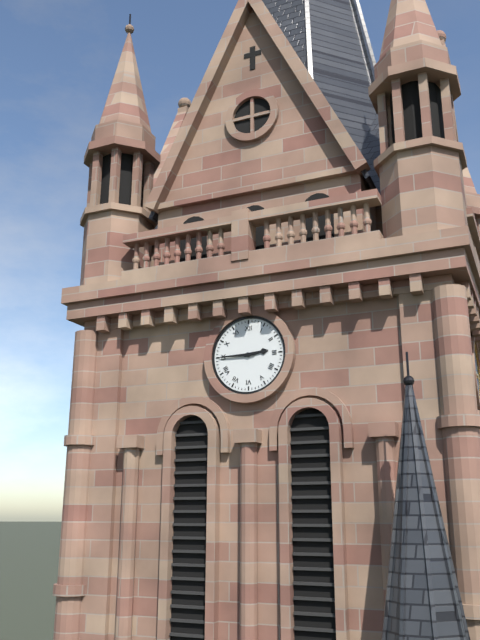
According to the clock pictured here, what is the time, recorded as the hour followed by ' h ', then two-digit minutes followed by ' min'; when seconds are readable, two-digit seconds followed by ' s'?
2 h 45 min
